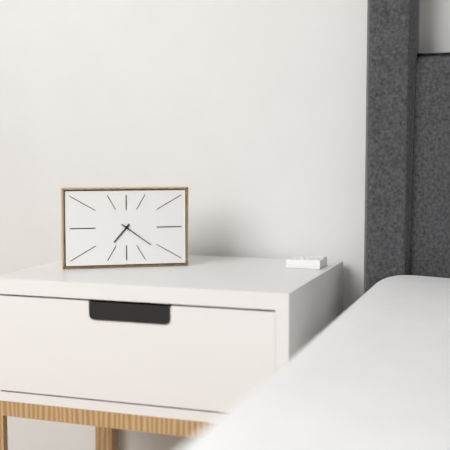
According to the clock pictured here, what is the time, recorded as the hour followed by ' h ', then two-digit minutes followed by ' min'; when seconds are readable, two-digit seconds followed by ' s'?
7 h 21 min
